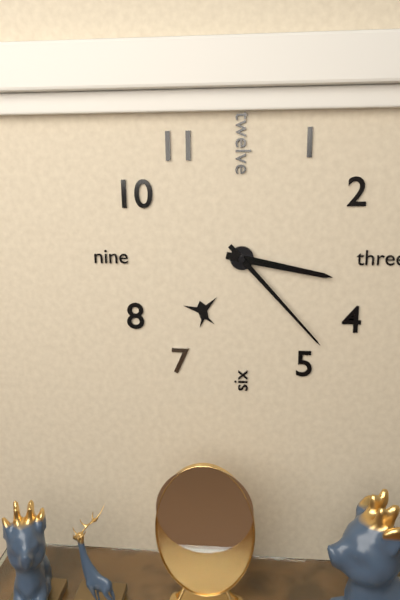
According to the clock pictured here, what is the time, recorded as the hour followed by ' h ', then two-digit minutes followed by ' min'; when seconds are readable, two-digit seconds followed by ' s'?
3 h 23 min
